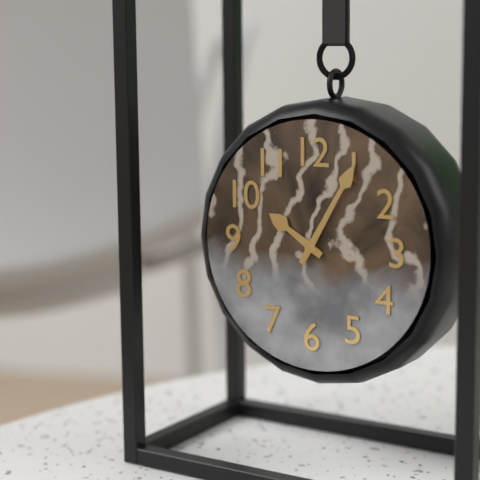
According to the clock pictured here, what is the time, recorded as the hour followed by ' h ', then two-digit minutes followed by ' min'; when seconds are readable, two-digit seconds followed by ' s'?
10 h 05 min
